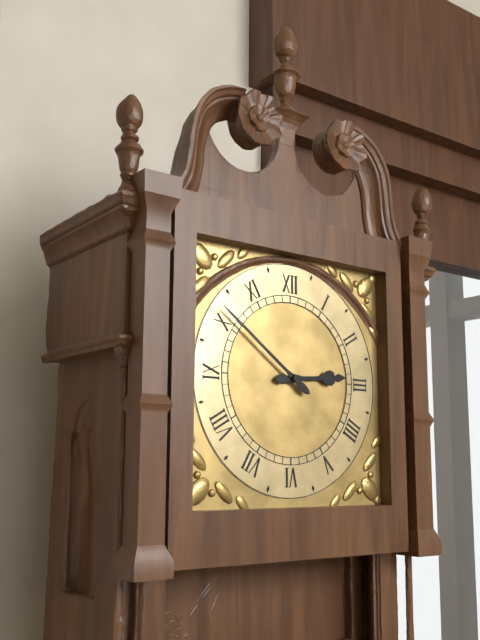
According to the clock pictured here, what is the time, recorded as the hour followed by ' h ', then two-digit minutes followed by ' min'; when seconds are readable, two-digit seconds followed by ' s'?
2 h 51 min
